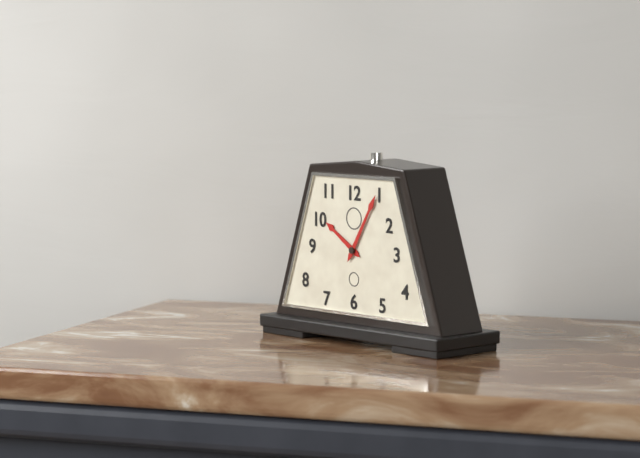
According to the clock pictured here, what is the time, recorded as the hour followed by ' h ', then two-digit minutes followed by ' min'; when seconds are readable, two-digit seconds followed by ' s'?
10 h 05 min
